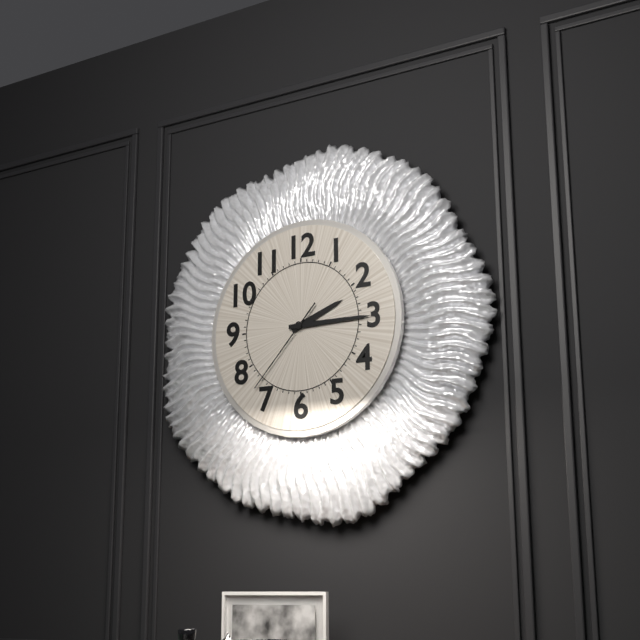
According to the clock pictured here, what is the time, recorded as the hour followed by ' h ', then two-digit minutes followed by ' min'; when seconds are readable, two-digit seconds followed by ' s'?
2 h 15 min 37 s
